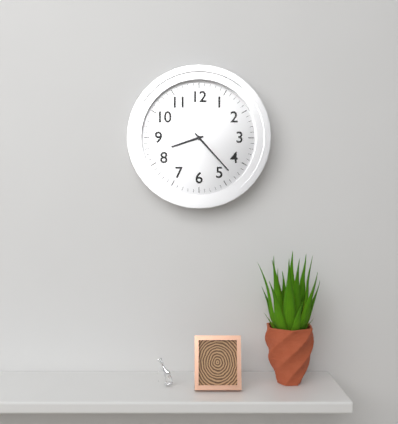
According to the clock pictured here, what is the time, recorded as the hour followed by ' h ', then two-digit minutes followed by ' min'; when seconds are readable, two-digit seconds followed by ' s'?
8 h 23 min
